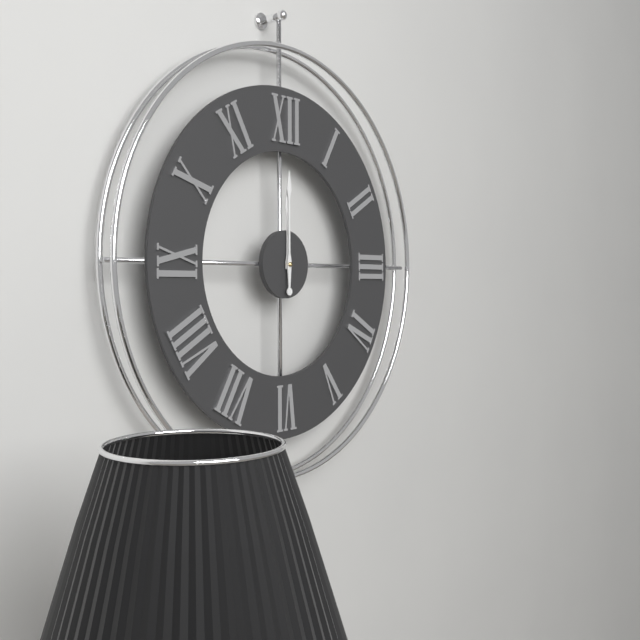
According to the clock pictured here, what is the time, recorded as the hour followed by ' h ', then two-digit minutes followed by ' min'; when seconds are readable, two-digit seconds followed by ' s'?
12 h 00 min
